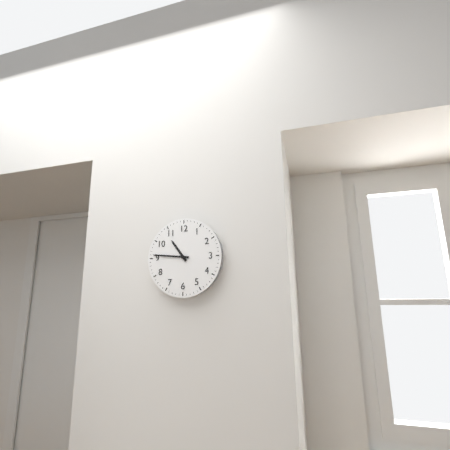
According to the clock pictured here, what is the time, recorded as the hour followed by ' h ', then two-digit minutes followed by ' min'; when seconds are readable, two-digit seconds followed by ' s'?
10 h 46 min
